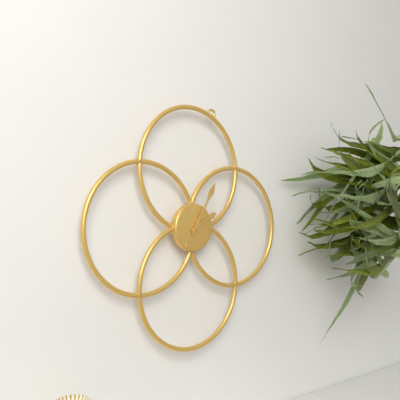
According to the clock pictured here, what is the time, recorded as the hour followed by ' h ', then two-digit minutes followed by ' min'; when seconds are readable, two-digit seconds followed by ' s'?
2 h 05 min
